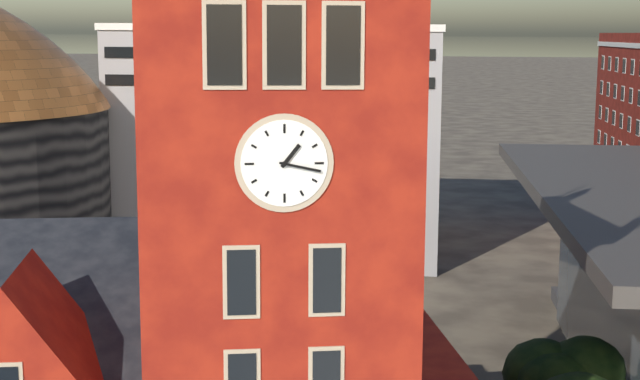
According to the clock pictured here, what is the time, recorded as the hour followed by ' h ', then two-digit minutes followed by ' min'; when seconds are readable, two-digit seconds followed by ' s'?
1 h 17 min
